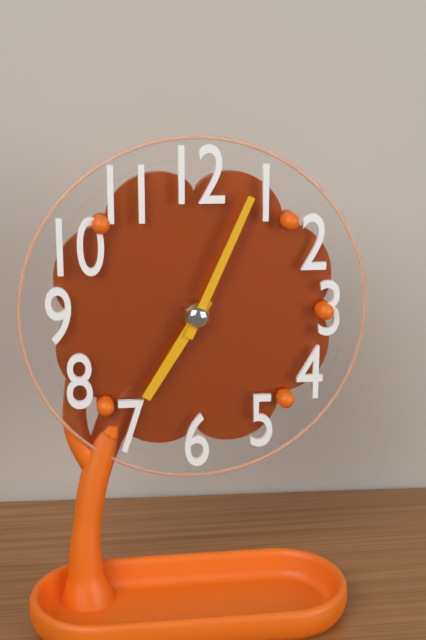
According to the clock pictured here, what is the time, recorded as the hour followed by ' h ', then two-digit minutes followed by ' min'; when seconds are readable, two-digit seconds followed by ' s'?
7 h 04 min
